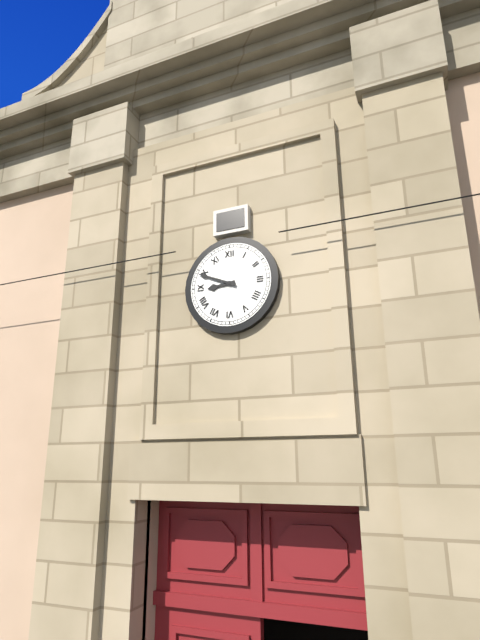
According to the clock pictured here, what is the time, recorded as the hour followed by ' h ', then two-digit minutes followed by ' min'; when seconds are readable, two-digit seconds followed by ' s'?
8 h 49 min
